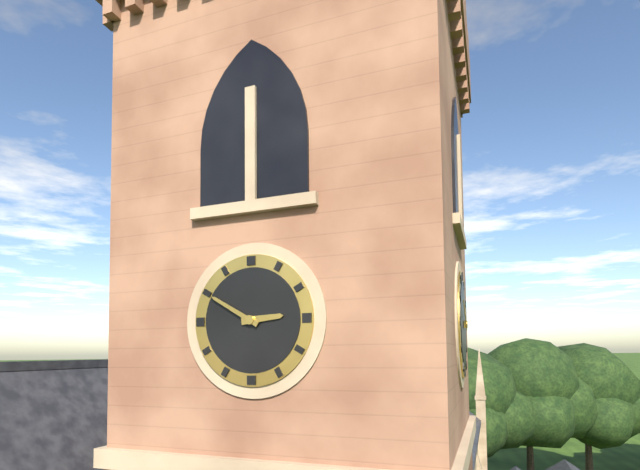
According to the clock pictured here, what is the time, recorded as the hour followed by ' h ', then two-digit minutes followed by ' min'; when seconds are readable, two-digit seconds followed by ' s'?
2 h 50 min
